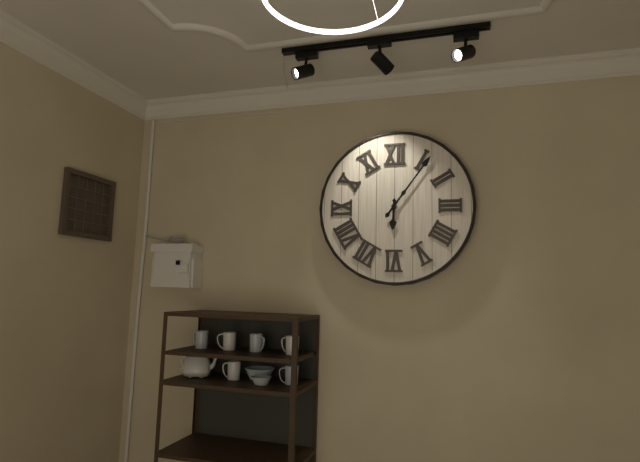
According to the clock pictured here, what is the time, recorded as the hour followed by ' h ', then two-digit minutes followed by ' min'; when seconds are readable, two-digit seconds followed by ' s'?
6 h 06 min
